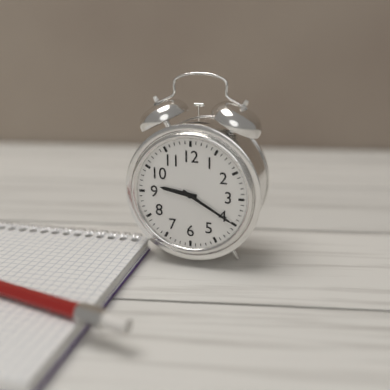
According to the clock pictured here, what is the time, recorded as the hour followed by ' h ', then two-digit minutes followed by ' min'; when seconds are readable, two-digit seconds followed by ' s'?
9 h 20 min
